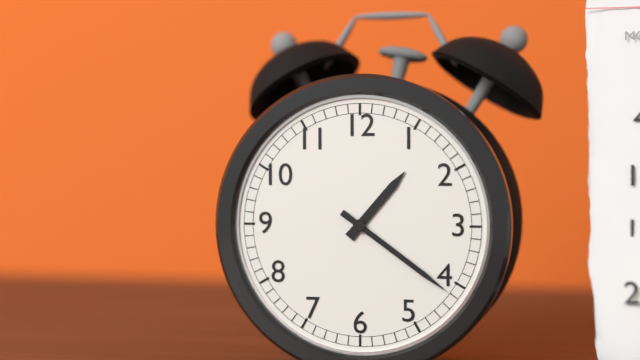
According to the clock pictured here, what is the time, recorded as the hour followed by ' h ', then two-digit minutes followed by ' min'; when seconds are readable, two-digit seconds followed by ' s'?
1 h 21 min
